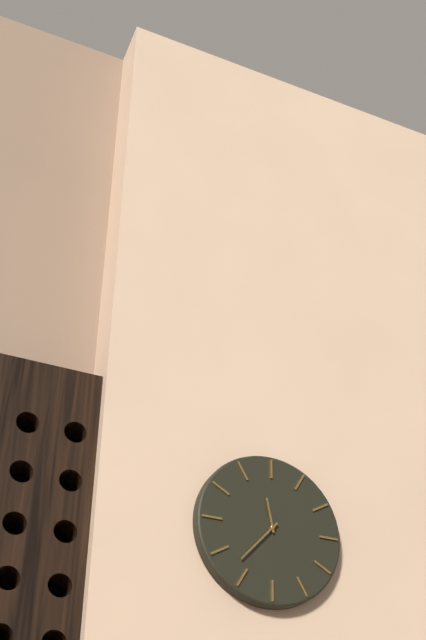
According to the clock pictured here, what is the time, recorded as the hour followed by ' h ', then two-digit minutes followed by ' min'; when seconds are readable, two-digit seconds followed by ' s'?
11 h 37 min
